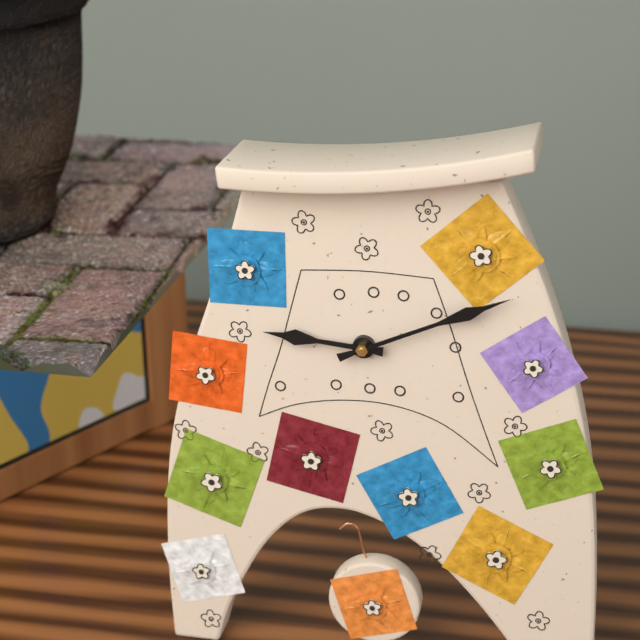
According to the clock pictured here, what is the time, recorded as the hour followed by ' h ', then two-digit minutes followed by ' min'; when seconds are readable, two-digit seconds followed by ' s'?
9 h 11 min
